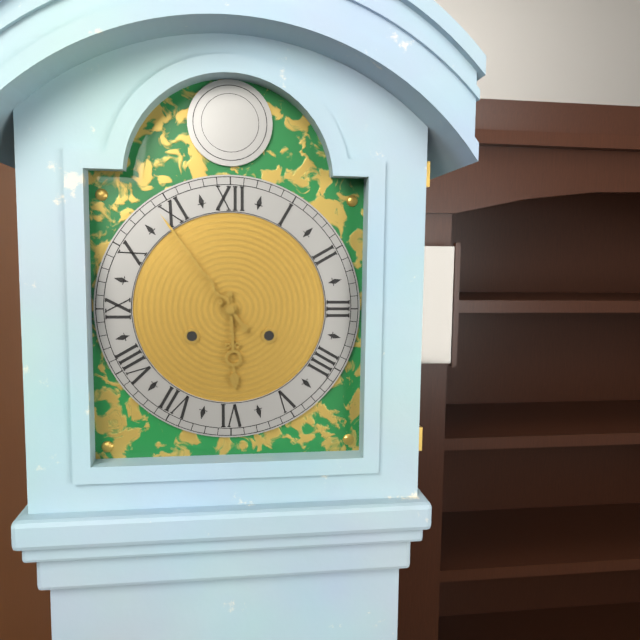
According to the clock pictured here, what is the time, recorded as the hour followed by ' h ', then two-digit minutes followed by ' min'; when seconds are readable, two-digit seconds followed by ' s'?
5 h 54 min
